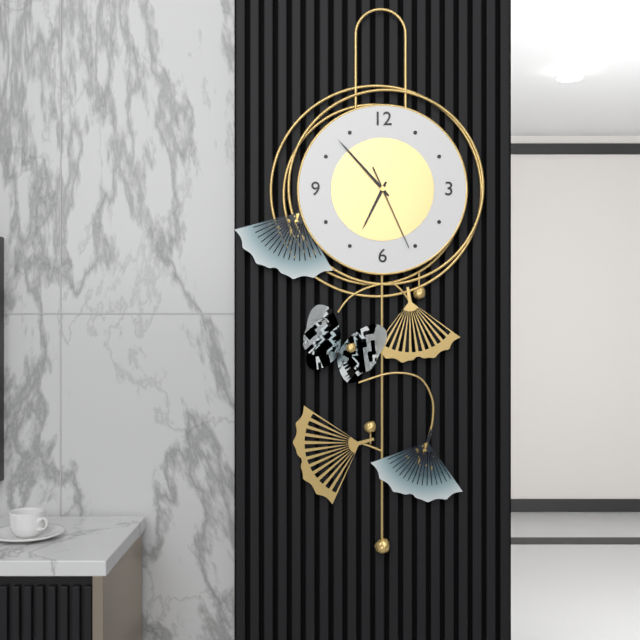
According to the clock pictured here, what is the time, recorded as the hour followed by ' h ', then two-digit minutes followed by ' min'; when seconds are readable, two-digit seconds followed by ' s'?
6 h 53 min 26 s
